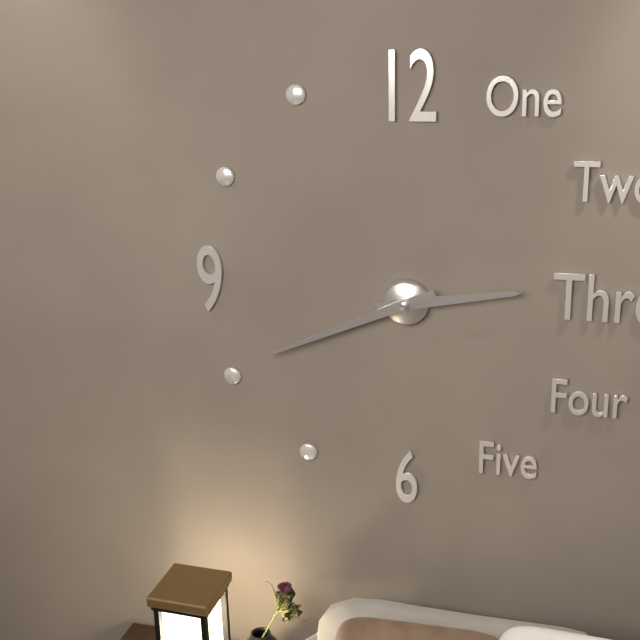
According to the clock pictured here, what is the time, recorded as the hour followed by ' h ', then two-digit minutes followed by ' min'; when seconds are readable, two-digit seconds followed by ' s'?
2 h 41 min
